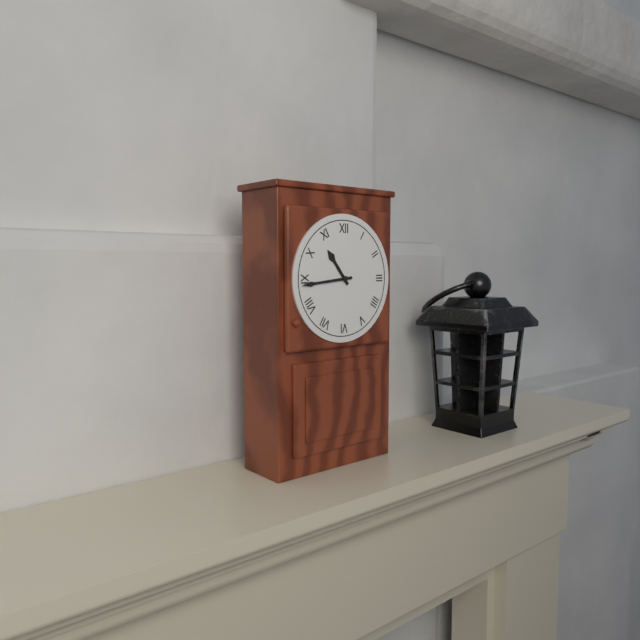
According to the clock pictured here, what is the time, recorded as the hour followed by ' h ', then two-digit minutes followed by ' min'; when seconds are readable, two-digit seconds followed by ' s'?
10 h 44 min
